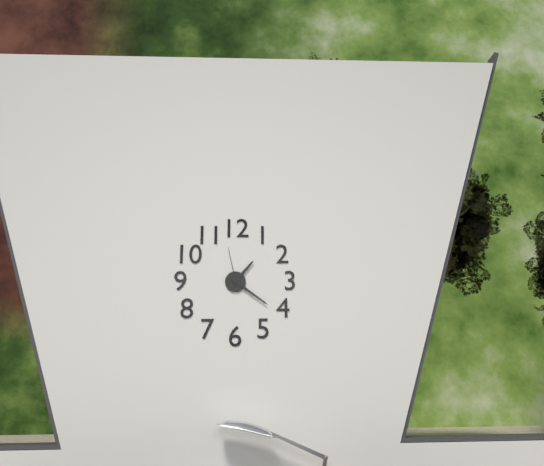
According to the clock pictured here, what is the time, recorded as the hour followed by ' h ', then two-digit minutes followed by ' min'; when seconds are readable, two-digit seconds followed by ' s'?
1 h 21 min
